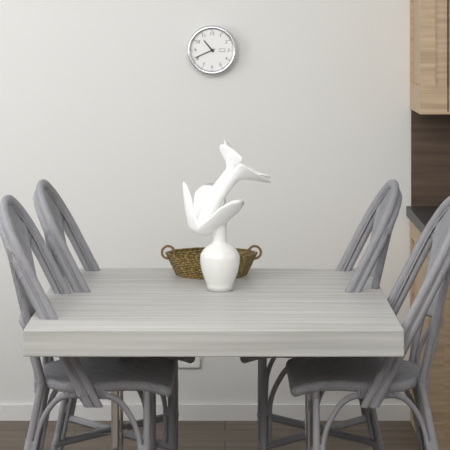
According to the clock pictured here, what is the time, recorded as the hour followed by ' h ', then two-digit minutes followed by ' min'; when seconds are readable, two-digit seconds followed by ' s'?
10 h 41 min
